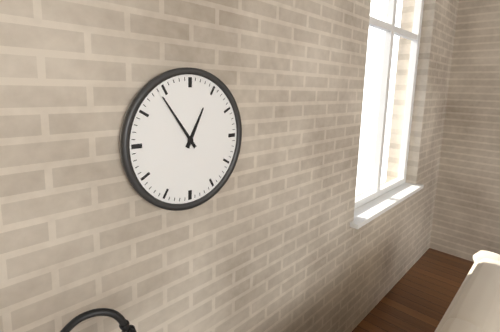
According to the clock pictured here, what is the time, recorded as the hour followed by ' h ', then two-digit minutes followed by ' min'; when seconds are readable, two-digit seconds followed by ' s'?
12 h 54 min
